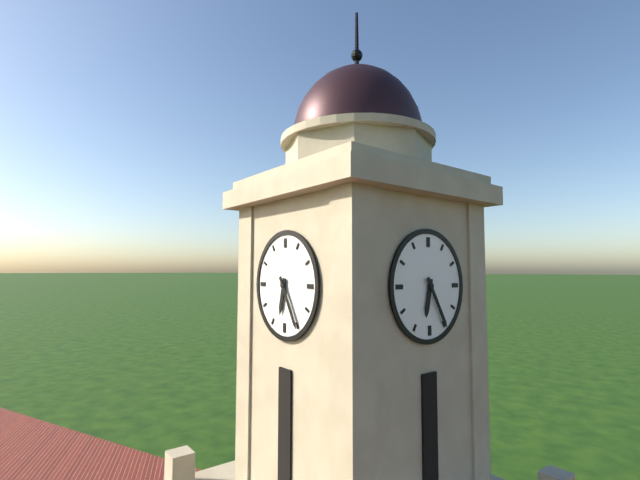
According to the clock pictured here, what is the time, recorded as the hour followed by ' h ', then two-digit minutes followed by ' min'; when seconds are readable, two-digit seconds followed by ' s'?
6 h 25 min
